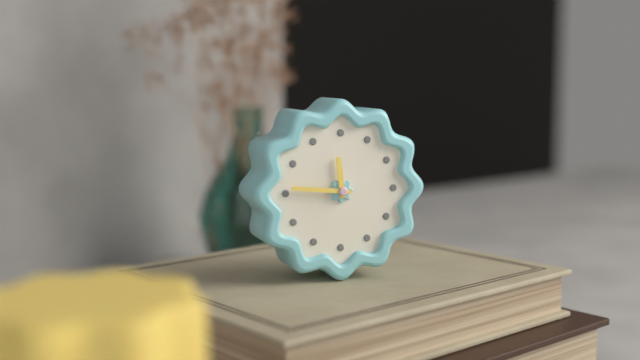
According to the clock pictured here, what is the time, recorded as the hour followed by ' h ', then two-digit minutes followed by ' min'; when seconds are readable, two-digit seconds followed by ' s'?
11 h 46 min
